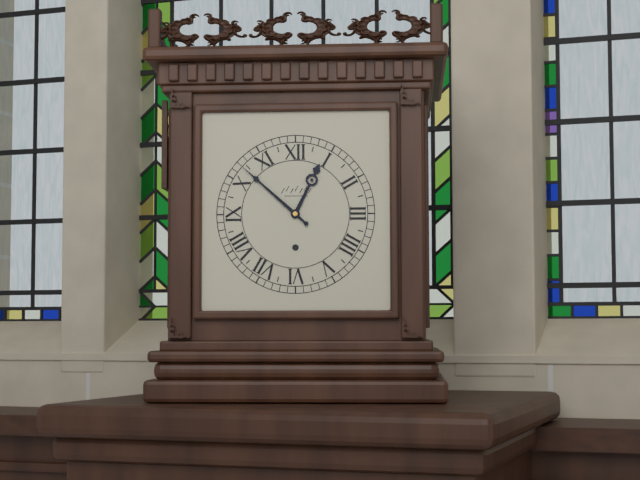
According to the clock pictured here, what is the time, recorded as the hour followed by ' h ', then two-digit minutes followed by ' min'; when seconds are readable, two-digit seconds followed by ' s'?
12 h 52 min
